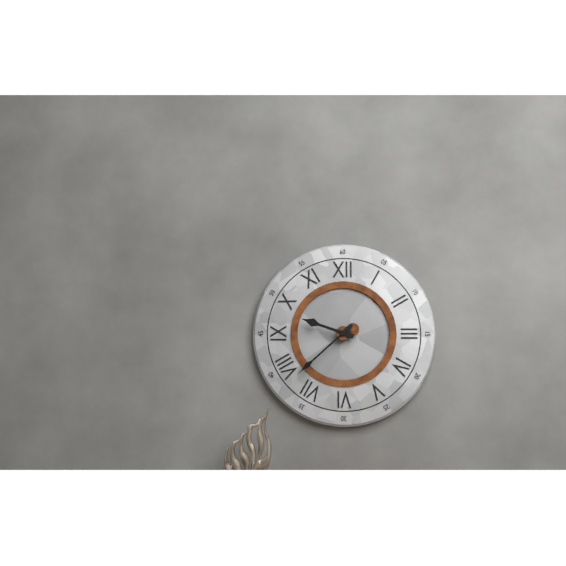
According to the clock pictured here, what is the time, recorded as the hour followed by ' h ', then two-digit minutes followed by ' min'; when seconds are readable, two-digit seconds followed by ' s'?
9 h 38 min
